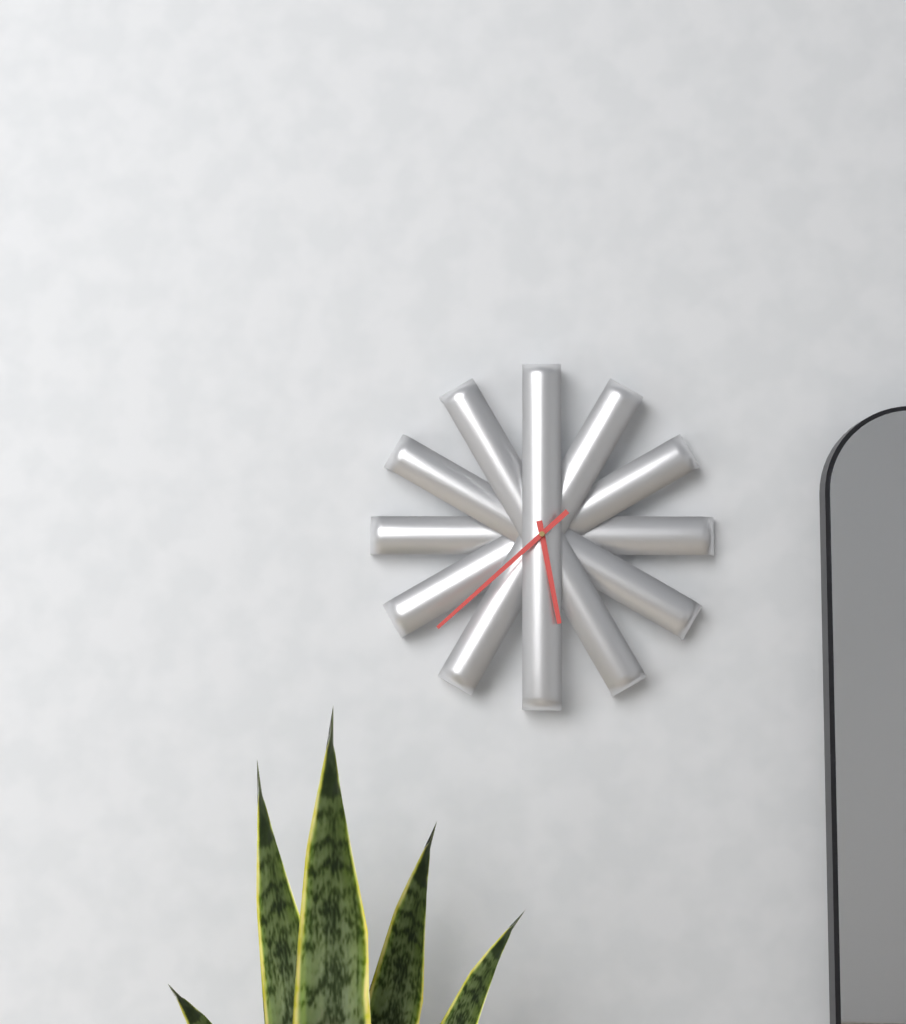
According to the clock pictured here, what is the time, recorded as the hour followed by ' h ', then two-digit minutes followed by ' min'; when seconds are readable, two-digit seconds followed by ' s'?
5 h 38 min
